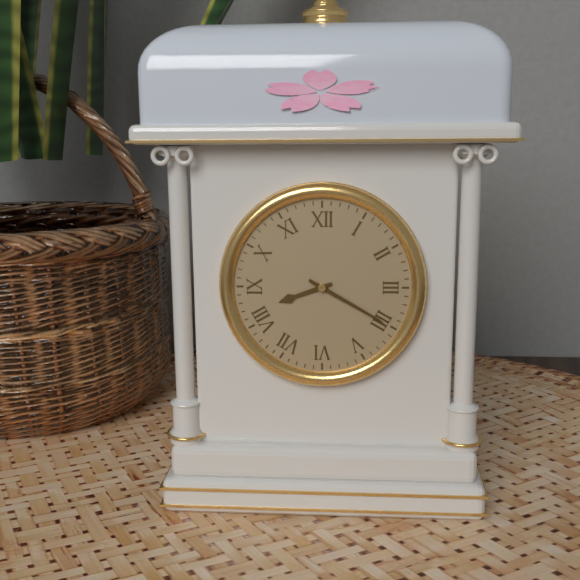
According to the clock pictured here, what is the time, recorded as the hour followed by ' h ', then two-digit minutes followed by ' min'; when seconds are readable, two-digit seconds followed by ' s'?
8 h 20 min
